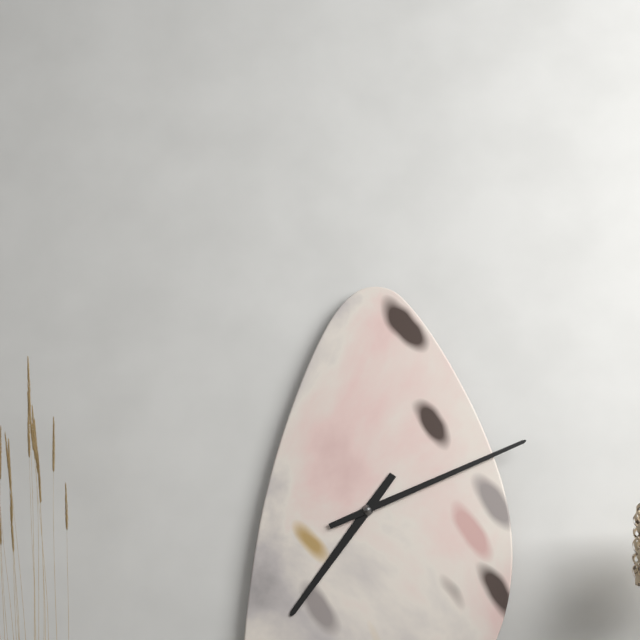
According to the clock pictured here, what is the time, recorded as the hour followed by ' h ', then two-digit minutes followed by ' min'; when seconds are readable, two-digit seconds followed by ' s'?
7 h 11 min
